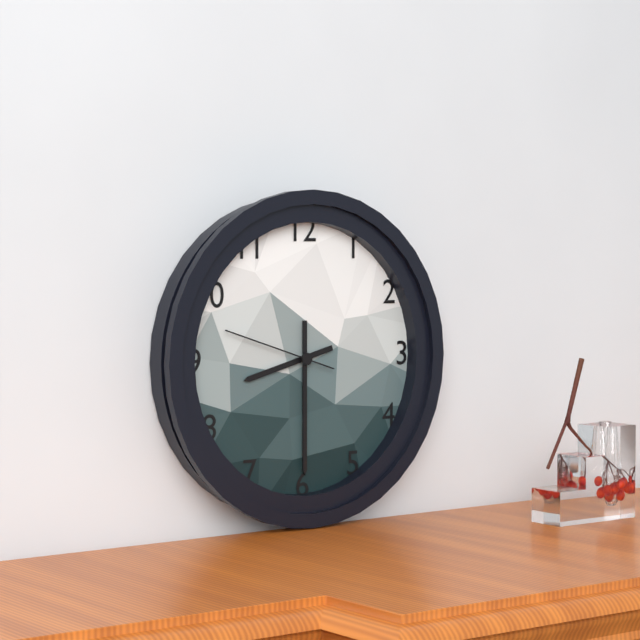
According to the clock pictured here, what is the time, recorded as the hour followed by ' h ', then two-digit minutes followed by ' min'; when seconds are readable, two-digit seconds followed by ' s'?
8 h 30 min 48 s
